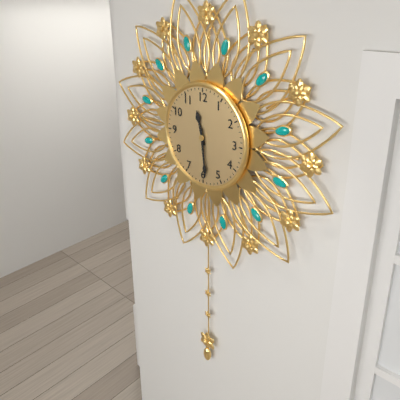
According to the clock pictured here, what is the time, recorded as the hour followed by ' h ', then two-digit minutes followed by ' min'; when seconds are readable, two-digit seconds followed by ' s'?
11 h 29 min
